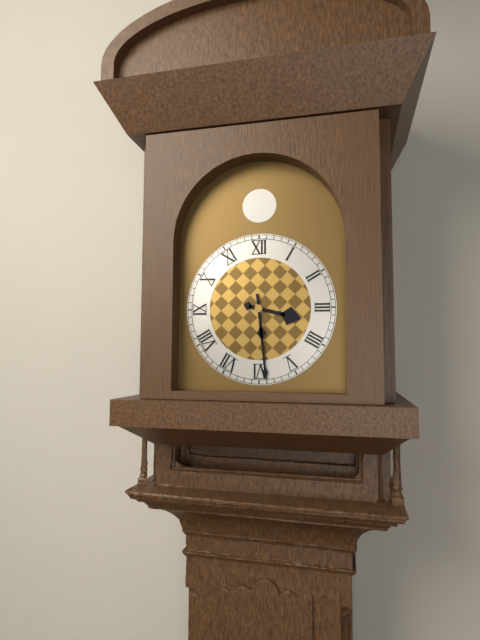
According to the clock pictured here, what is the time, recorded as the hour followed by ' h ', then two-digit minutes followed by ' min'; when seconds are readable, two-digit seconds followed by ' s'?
3 h 29 min
